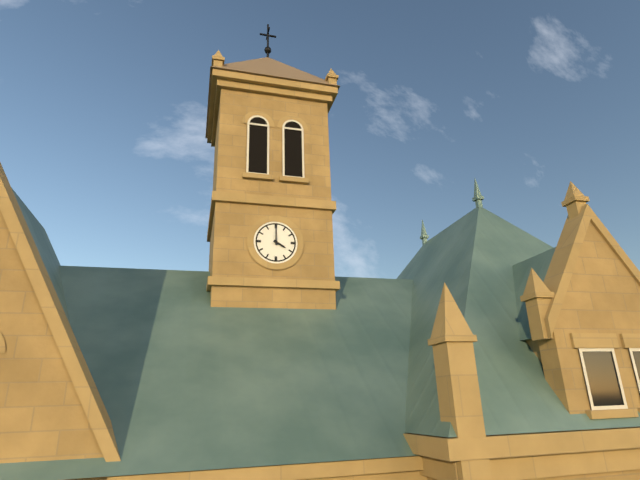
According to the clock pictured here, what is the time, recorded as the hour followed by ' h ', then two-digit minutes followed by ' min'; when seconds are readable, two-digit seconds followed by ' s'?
4 h 00 min
